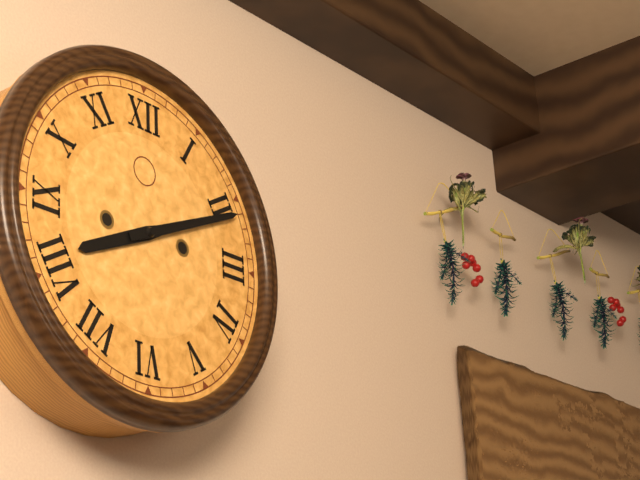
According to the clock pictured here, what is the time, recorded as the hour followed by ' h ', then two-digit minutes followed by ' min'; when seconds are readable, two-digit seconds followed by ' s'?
8 h 11 min
